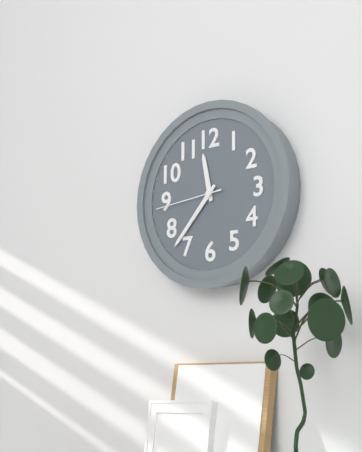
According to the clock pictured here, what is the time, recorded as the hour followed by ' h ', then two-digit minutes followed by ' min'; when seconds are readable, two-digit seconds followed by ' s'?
11 h 37 min 44 s
